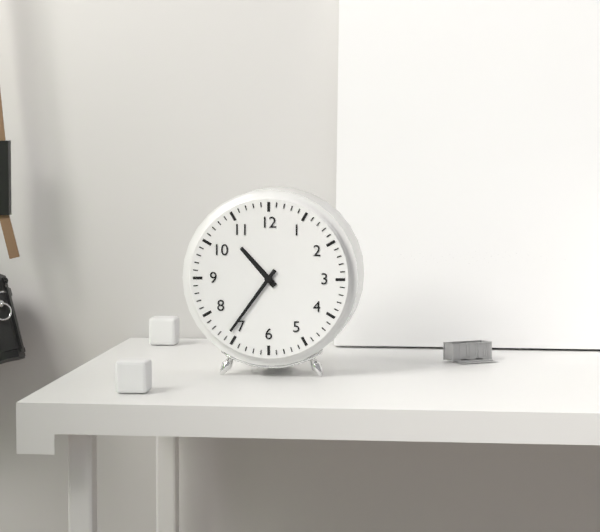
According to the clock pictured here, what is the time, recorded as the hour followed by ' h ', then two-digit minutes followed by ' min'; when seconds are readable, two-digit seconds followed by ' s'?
10 h 36 min
